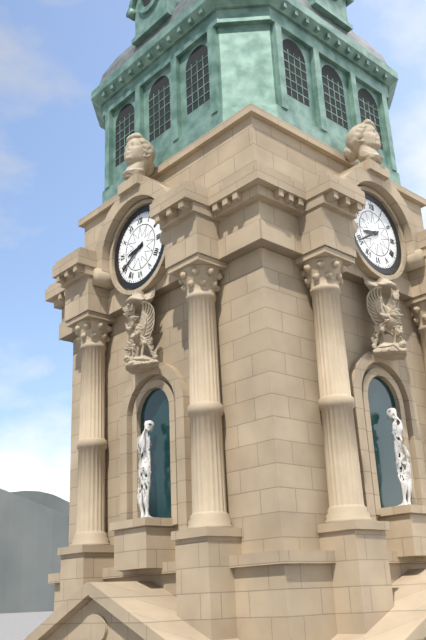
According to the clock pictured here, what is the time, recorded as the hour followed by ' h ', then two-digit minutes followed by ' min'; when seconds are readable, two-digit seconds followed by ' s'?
8 h 40 min
